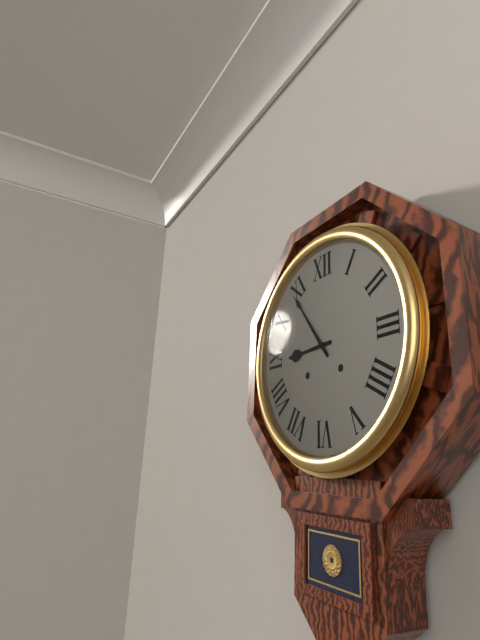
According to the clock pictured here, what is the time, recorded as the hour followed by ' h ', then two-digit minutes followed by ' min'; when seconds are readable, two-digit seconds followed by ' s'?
8 h 54 min
